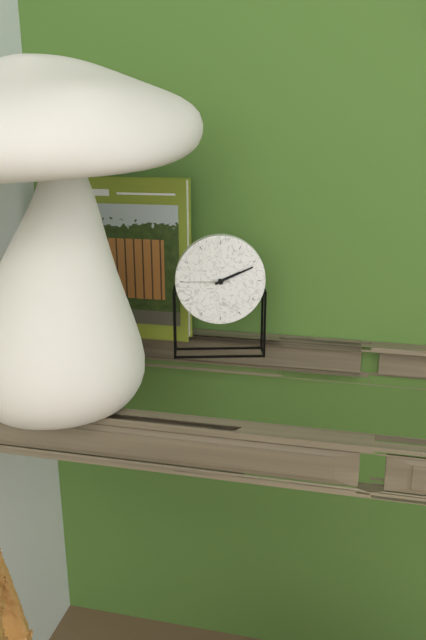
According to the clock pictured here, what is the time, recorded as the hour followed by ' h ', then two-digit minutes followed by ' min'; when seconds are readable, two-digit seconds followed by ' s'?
2 h 11 min
